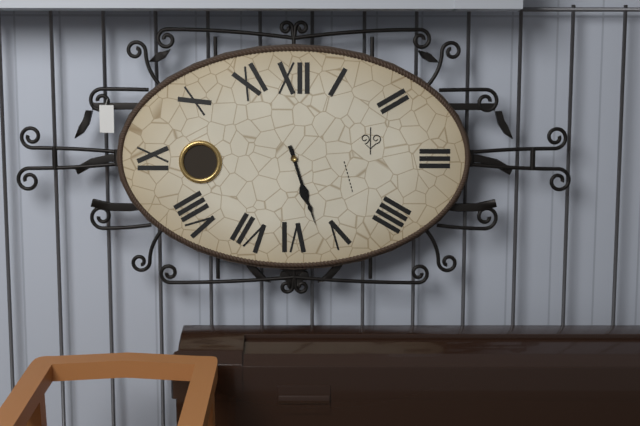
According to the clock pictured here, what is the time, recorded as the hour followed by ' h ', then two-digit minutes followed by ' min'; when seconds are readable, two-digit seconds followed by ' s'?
5 h 27 min
